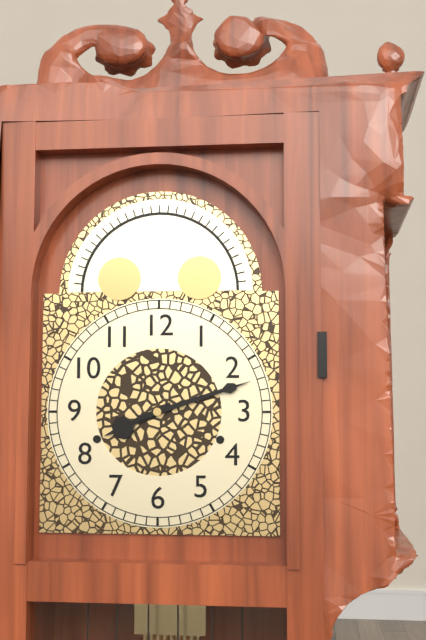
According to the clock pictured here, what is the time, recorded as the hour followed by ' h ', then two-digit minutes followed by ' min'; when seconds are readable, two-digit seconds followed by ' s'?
8 h 12 min
